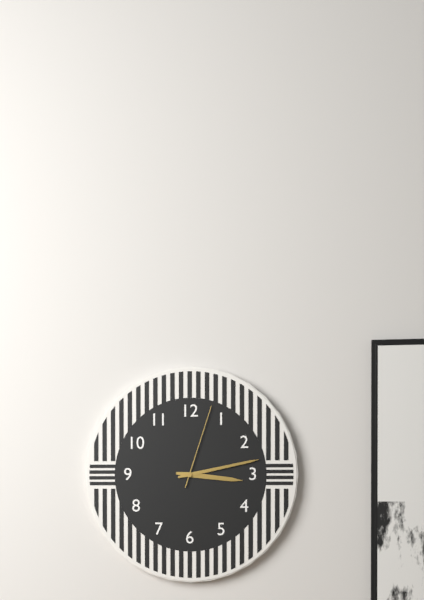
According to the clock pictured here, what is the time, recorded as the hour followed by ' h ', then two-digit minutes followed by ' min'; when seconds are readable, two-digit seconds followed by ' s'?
3 h 13 min 03 s
